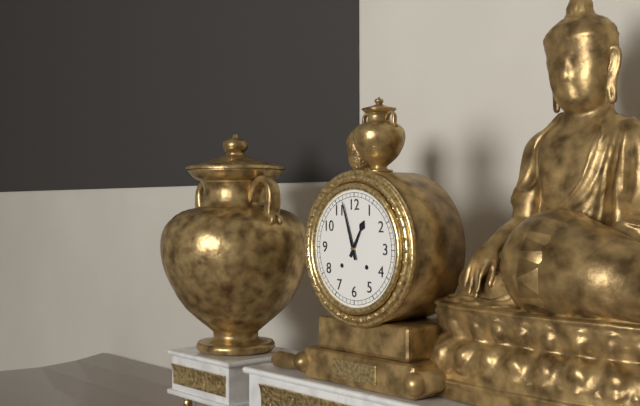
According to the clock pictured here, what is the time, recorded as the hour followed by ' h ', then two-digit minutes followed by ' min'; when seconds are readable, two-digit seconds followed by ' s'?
12 h 57 min
